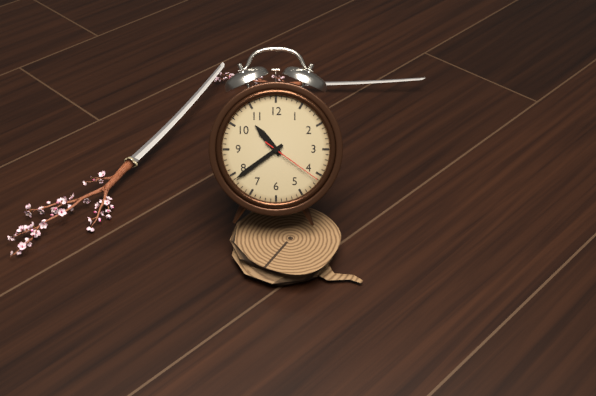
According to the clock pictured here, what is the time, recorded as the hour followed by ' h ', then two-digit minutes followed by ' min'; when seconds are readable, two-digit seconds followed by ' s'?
10 h 39 min 21 s
